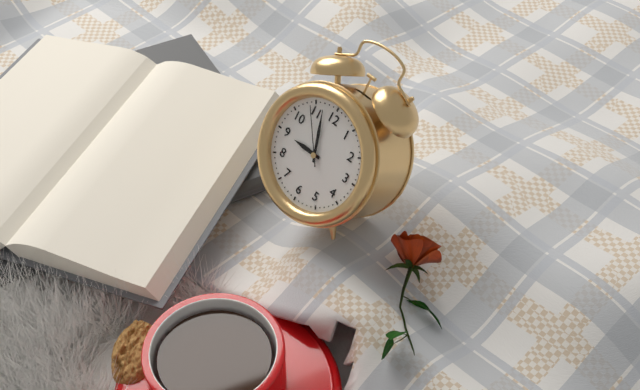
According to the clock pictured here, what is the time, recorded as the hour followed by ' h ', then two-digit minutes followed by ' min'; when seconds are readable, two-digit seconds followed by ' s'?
8 h 57 min 54 s
